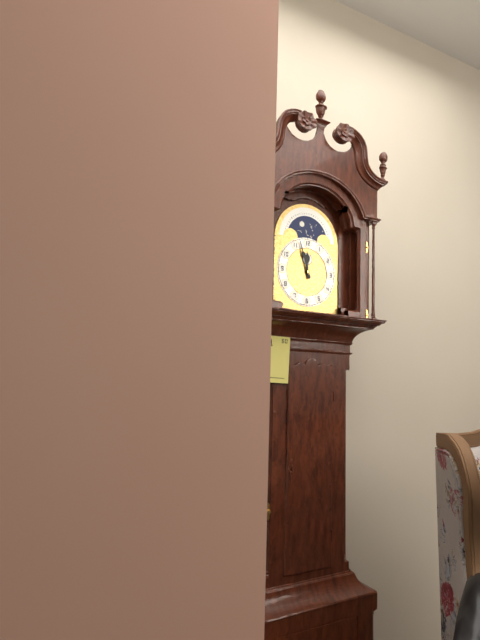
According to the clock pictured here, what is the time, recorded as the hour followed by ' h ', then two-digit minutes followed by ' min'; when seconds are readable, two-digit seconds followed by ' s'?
11 h 57 min
